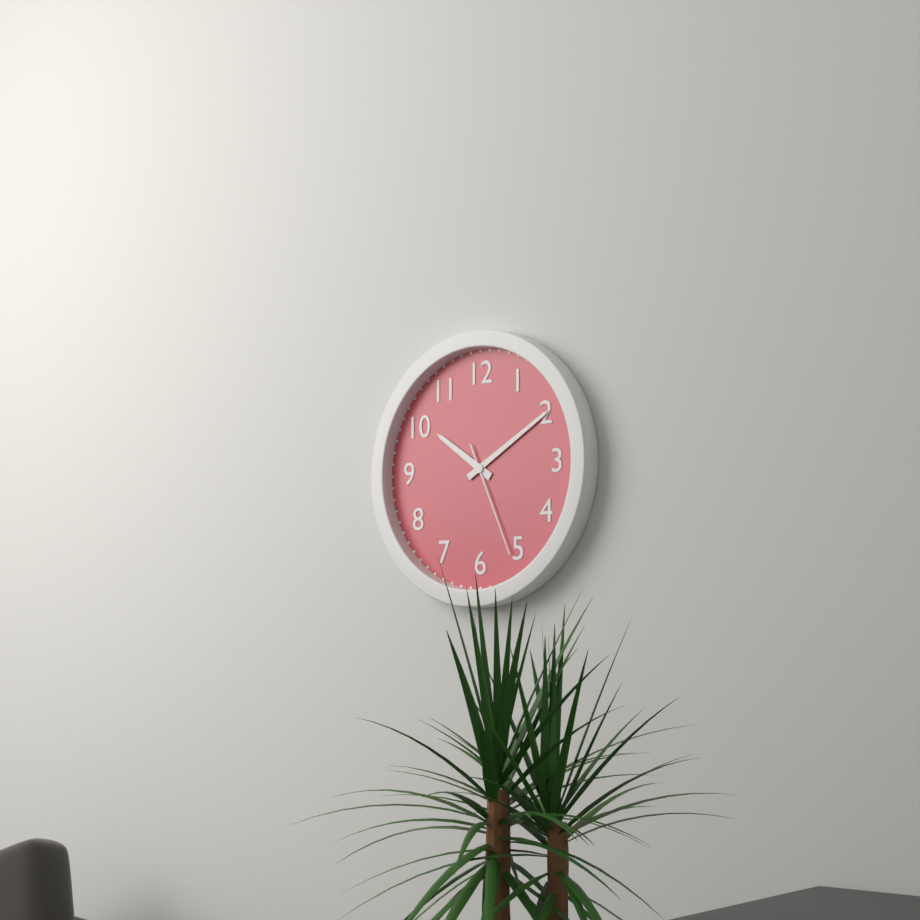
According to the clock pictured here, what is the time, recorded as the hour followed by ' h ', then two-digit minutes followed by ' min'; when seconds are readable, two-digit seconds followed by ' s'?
10 h 10 min 26 s
